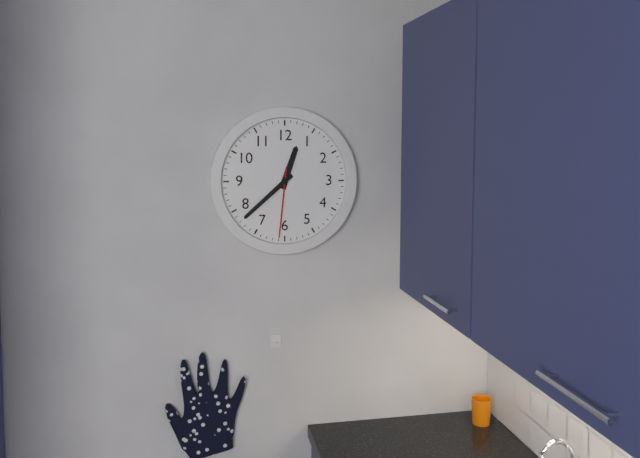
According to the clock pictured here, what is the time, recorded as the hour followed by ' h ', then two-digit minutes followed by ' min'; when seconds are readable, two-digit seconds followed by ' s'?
12 h 38 min 31 s
